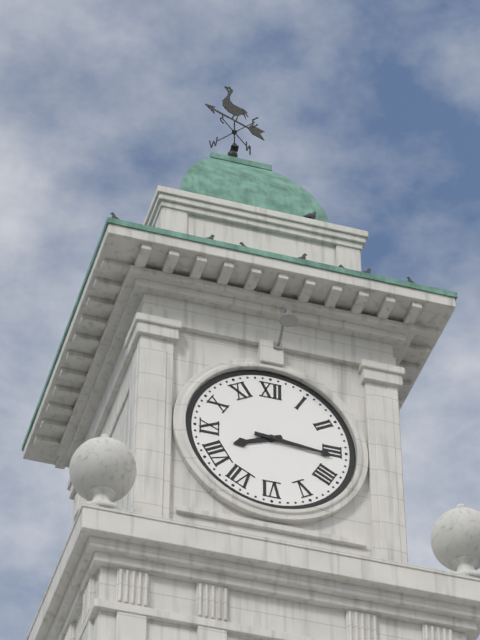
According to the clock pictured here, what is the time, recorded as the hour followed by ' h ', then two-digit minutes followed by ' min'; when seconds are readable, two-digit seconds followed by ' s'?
8 h 16 min
